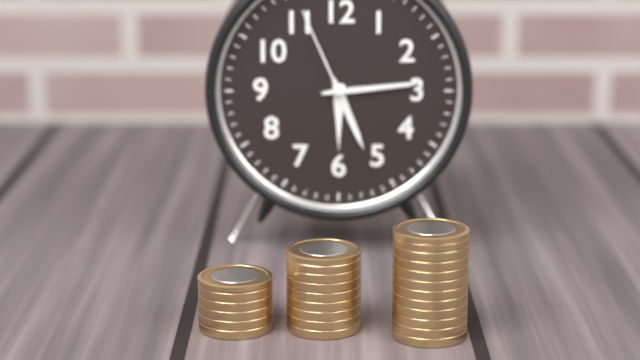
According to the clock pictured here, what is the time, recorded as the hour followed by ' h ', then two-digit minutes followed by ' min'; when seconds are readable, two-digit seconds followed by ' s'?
5 h 14 min 56 s
